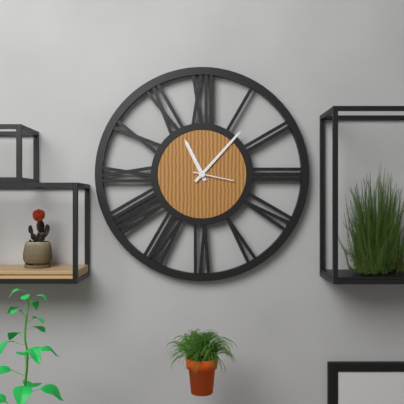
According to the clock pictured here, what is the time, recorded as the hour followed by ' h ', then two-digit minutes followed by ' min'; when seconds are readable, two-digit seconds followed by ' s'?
11 h 07 min
